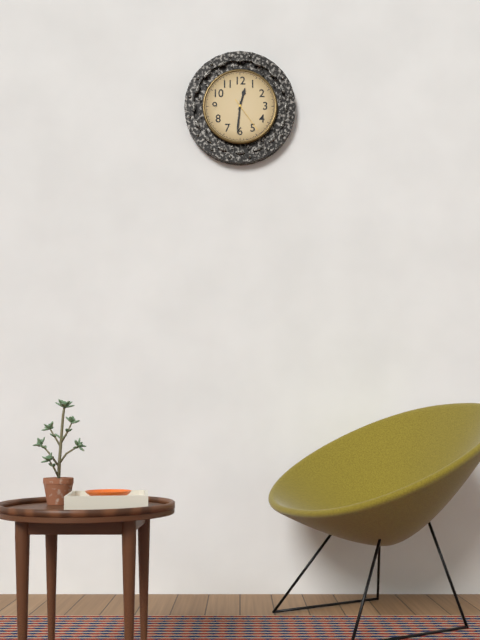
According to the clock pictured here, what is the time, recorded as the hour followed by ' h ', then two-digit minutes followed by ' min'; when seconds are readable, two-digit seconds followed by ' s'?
12 h 31 min
